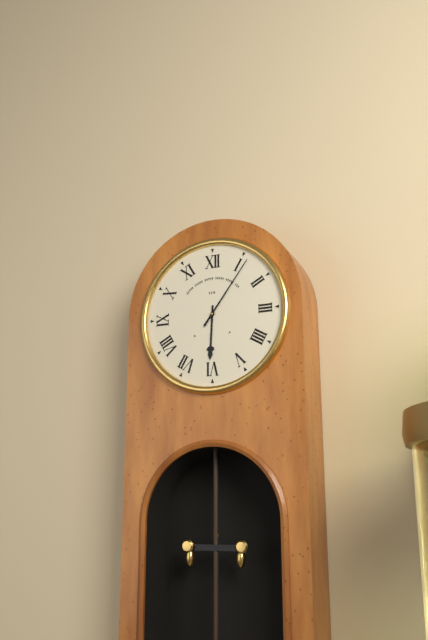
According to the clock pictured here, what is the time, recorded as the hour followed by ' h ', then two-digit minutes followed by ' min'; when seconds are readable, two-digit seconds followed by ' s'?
6 h 06 min
